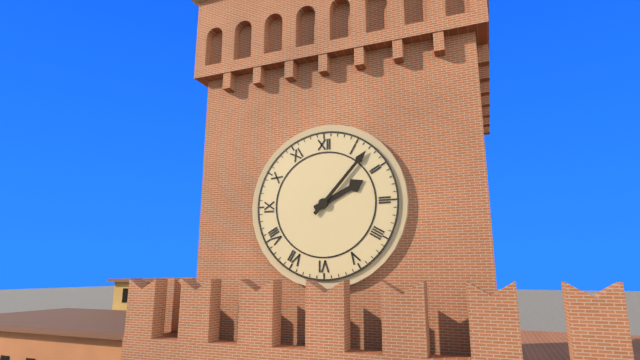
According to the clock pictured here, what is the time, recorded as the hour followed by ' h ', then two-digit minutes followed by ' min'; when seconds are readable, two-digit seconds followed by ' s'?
2 h 07 min
